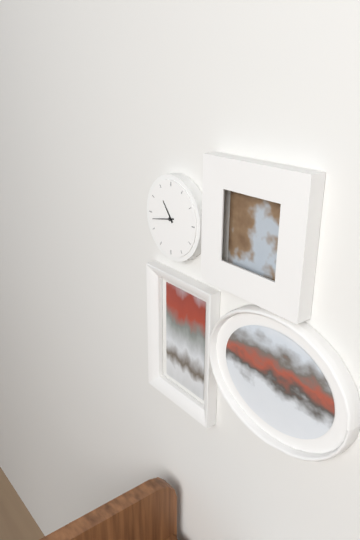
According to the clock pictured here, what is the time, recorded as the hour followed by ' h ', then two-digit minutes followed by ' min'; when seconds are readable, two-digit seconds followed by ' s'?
10 h 43 min
